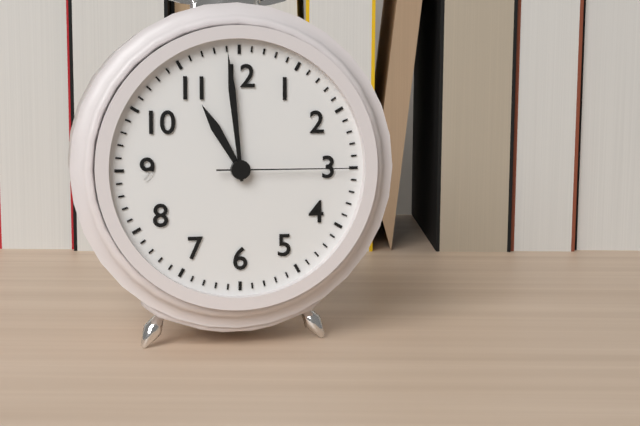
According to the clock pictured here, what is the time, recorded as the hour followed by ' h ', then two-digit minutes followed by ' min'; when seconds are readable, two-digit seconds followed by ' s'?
10 h 59 min 15 s
